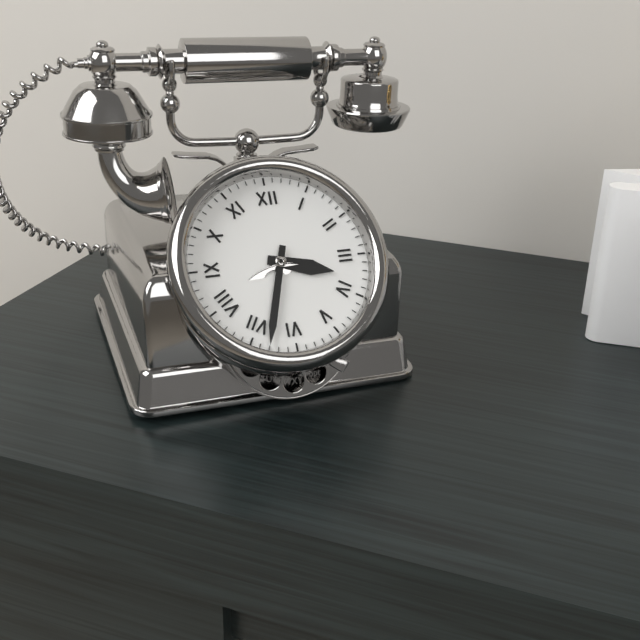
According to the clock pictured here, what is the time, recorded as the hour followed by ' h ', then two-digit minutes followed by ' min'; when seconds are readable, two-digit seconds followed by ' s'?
3 h 33 min
